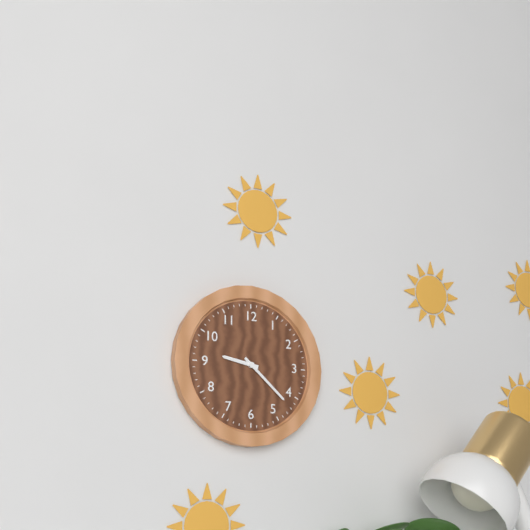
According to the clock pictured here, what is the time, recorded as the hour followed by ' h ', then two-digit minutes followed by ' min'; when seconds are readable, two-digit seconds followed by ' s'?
9 h 22 min
